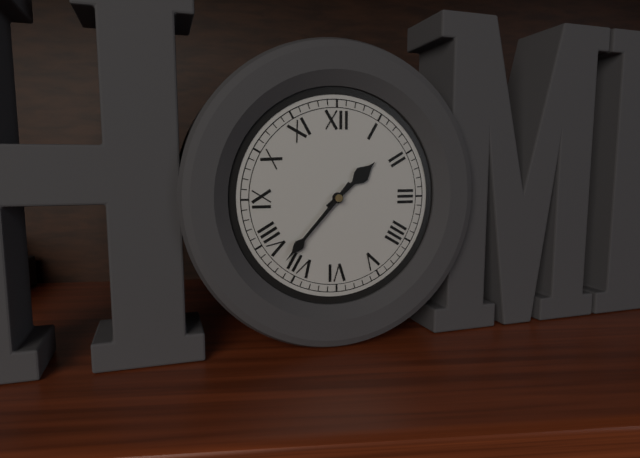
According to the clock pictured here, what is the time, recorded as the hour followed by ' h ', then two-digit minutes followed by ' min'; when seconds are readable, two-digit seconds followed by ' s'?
1 h 37 min
